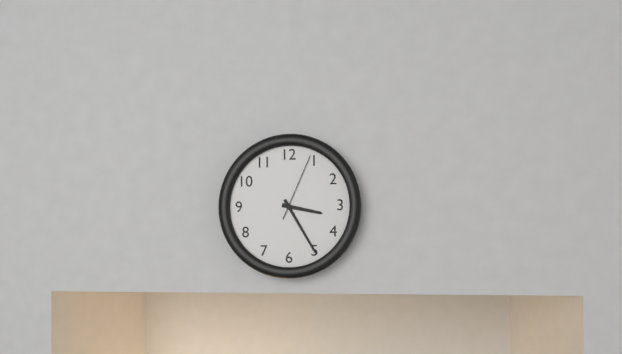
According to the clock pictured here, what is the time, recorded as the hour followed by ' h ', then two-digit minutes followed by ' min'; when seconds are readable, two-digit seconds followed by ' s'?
3 h 25 min 04 s
